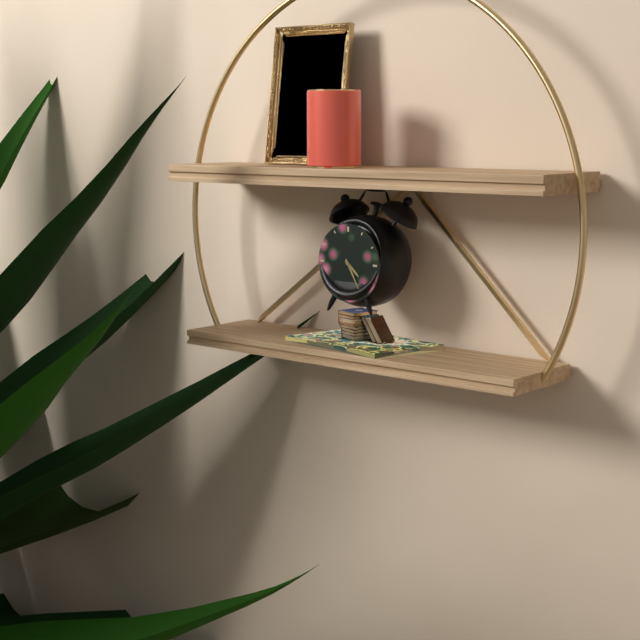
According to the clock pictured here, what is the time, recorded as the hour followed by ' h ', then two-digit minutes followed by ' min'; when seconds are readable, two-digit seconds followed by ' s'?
4 h 25 min
